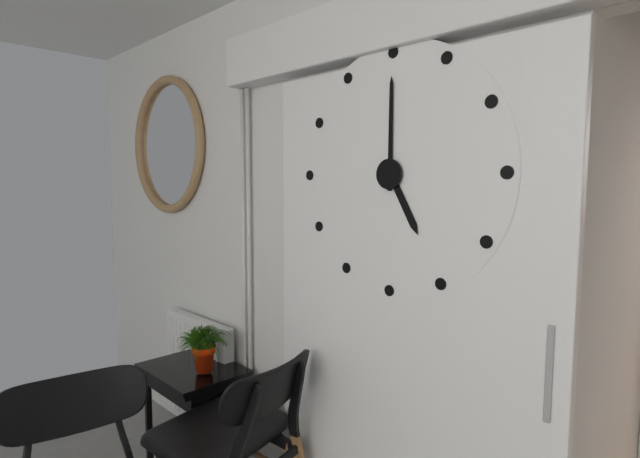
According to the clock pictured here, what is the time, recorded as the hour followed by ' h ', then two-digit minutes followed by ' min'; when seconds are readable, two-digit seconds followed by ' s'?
5 h 00 min
